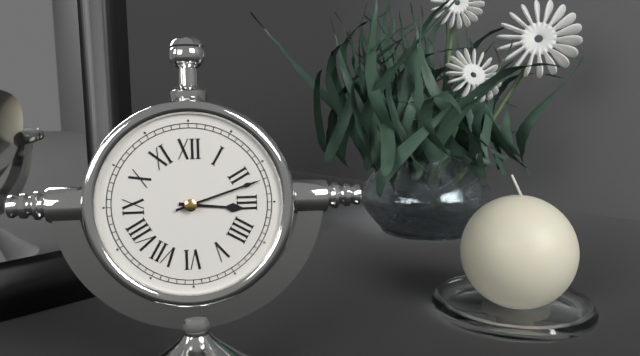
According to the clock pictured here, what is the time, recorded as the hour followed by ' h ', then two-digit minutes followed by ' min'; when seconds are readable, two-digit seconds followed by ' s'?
3 h 12 min
